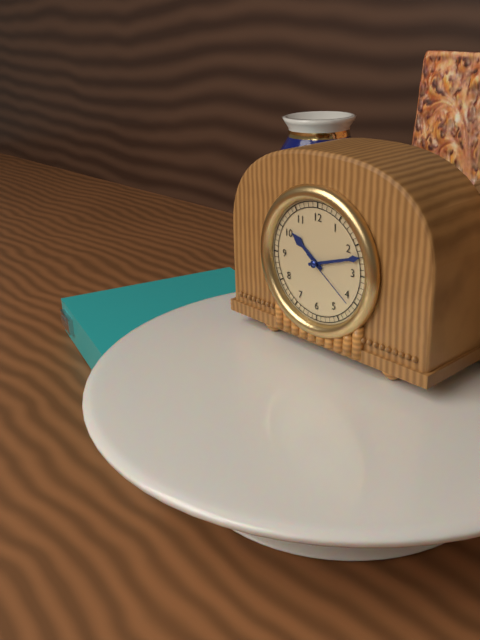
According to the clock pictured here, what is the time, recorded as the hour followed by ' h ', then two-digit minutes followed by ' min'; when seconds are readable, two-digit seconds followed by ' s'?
10 h 12 min 21 s
